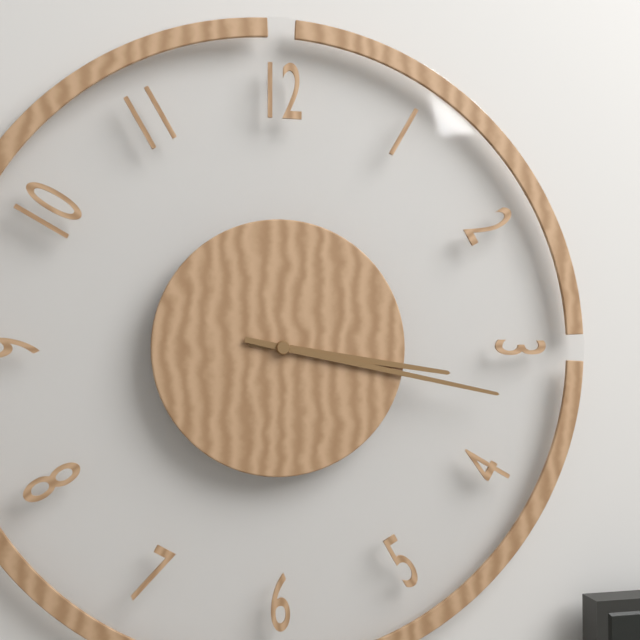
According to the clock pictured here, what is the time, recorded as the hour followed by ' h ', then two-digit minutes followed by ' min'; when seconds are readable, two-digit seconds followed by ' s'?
3 h 17 min
